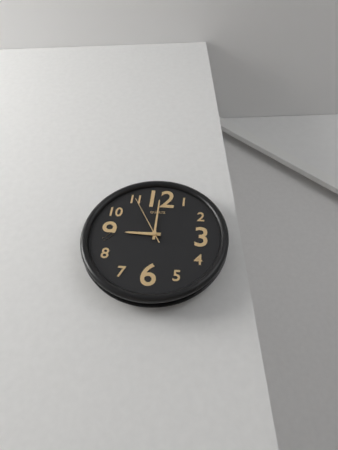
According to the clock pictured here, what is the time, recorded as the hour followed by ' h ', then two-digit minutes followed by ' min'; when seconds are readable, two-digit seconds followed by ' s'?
9 h 00 min 55 s
